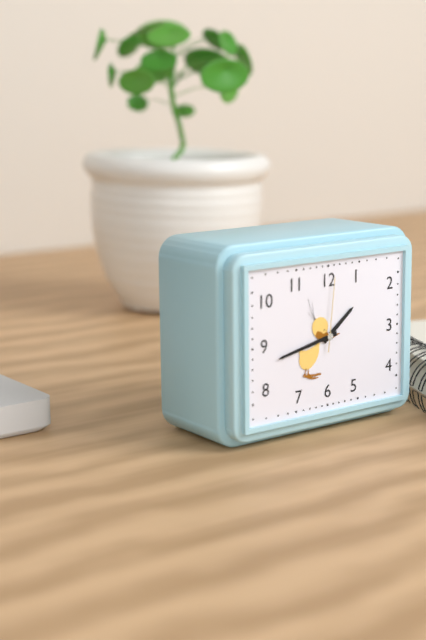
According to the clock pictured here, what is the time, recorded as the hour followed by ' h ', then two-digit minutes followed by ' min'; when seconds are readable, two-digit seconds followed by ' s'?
1 h 43 min 01 s
